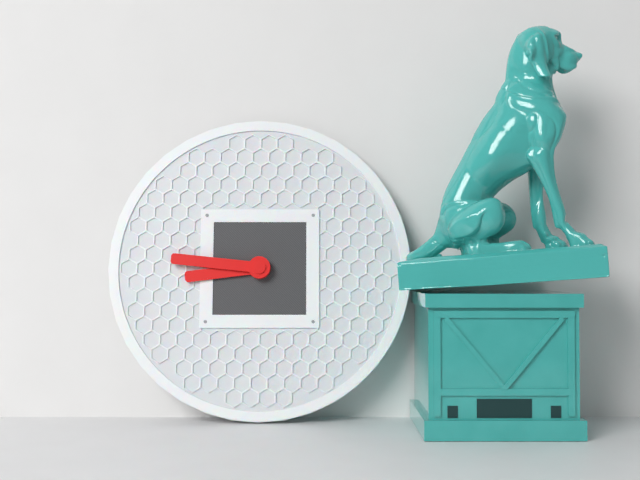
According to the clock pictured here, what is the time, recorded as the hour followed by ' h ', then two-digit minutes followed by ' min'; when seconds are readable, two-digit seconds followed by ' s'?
8 h 46 min
